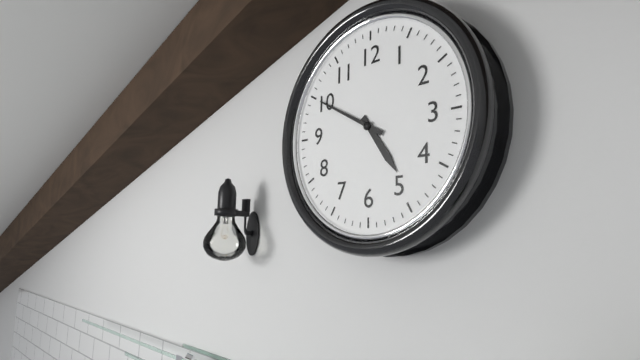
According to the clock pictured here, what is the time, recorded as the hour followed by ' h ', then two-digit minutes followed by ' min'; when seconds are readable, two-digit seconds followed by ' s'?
4 h 50 min
